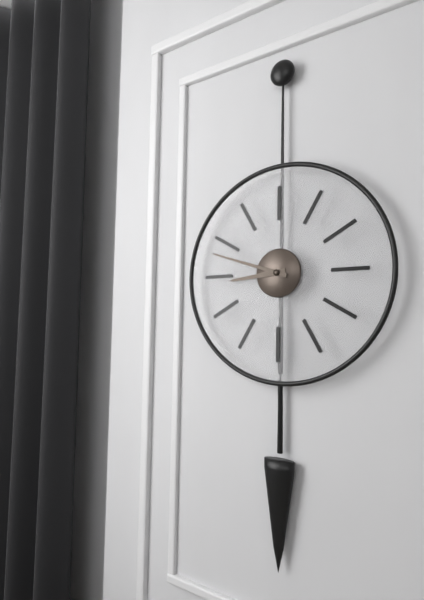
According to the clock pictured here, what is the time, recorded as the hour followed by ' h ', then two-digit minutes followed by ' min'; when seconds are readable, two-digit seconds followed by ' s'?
8 h 48 min
